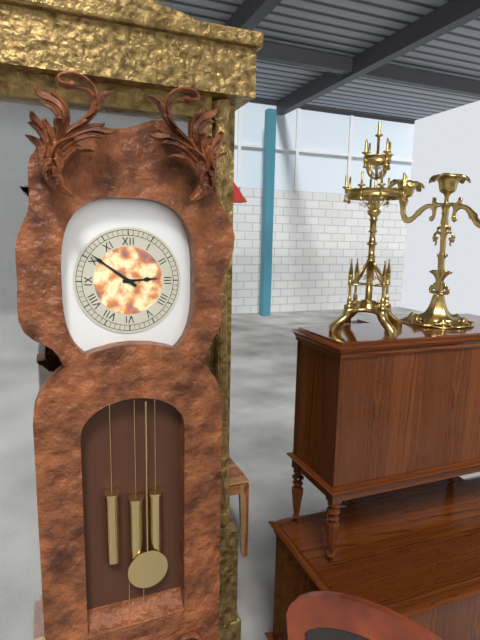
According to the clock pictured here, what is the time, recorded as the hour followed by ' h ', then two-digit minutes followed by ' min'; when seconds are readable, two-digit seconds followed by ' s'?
2 h 51 min
